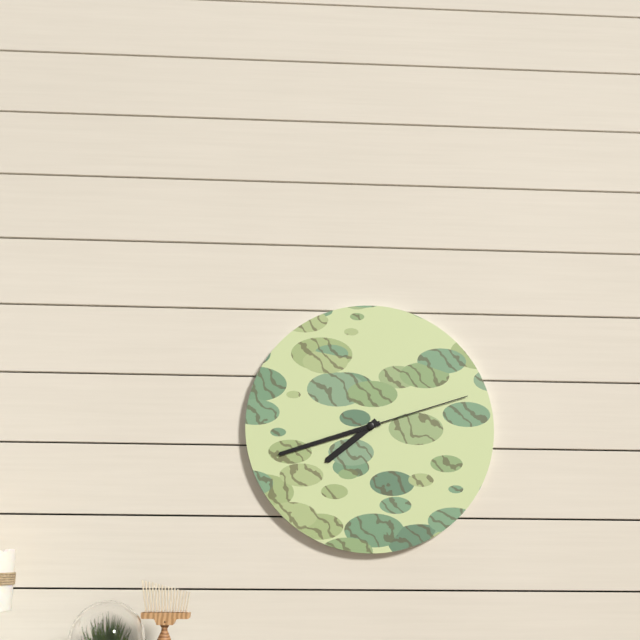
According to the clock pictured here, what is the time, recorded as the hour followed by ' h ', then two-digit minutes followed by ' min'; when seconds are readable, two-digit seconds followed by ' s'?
7 h 42 min 12 s
